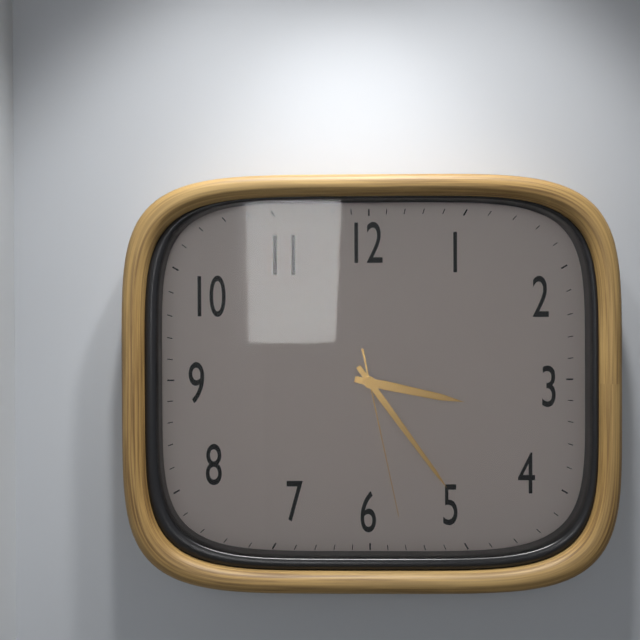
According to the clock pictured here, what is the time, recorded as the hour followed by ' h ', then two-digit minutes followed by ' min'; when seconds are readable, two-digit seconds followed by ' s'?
3 h 24 min 28 s
